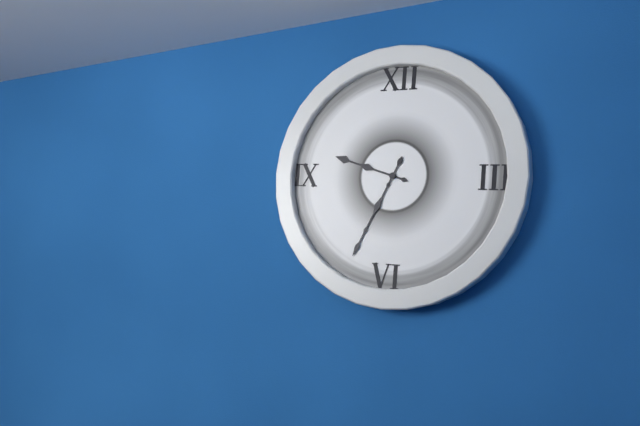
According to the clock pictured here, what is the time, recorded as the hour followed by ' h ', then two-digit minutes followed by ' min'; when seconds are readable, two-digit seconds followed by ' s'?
9 h 34 min
